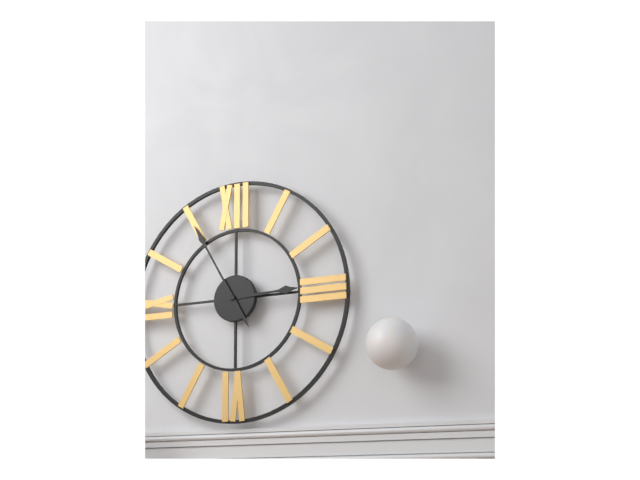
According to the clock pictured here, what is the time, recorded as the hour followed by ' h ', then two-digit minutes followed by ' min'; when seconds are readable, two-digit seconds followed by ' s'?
2 h 55 min
